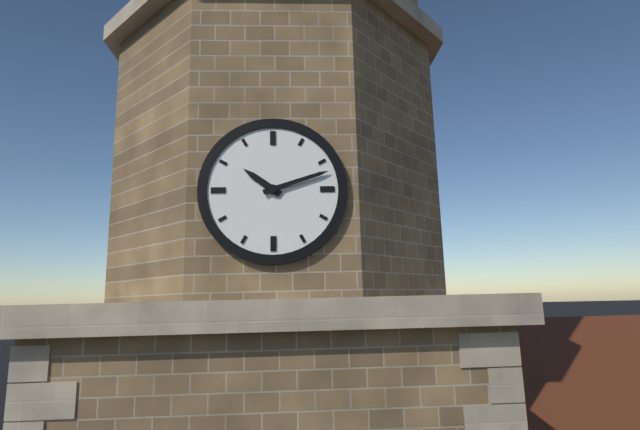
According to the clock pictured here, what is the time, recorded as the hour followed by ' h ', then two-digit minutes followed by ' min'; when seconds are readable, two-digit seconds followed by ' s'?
10 h 12 min
